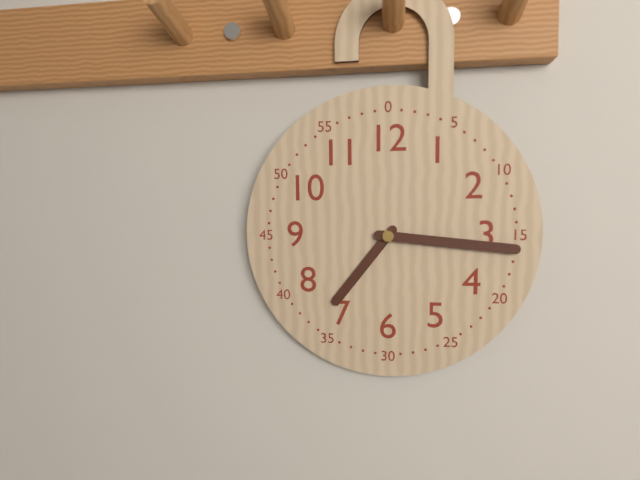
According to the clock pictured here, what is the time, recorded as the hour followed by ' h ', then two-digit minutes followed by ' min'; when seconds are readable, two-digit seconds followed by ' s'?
7 h 16 min
